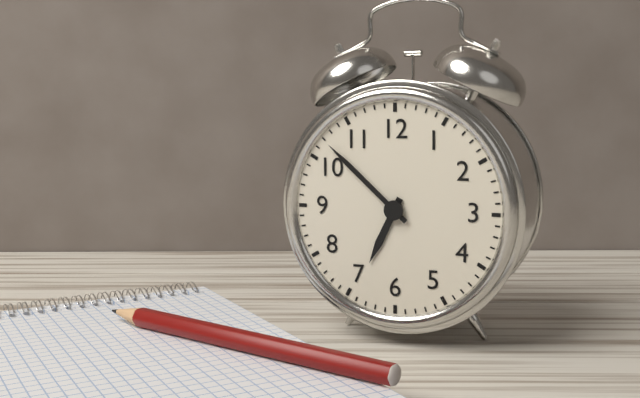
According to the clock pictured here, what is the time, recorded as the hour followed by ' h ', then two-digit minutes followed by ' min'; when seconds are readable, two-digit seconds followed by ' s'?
6 h 52 min
